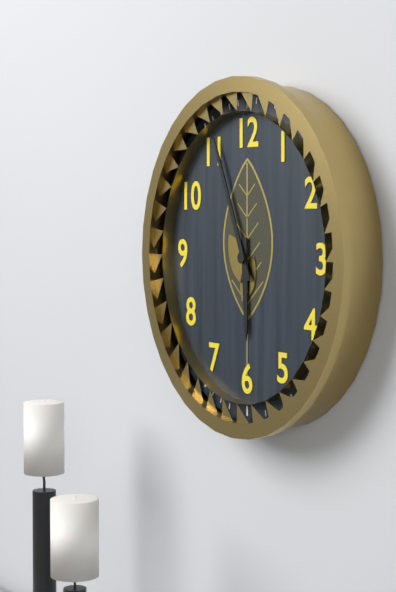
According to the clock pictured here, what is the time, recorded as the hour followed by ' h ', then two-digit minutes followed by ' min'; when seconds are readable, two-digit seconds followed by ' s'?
5 h 56 min
